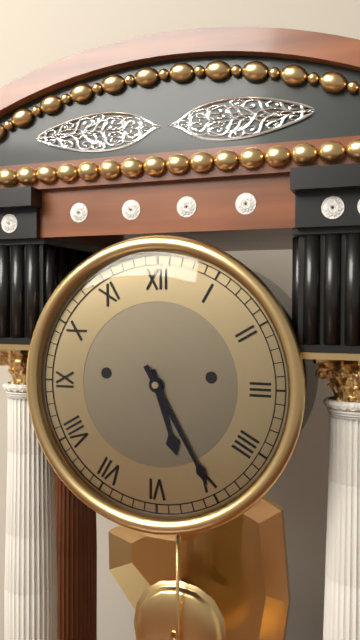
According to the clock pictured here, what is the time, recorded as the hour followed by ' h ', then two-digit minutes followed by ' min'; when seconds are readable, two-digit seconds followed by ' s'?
5 h 25 min
